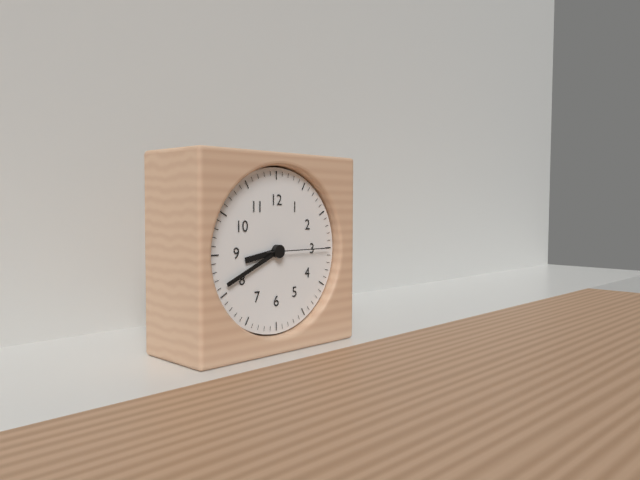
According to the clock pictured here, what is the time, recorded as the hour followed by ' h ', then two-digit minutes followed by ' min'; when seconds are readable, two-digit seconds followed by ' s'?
8 h 41 min 15 s
